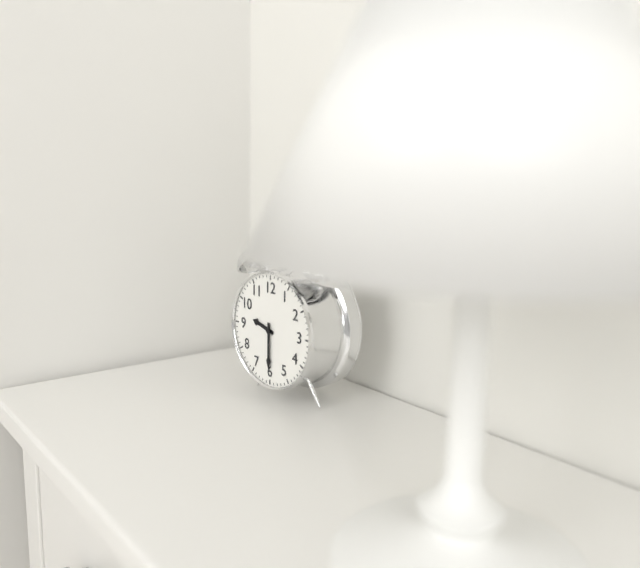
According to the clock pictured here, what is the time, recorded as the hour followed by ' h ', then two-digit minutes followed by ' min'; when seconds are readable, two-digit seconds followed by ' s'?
9 h 30 min
